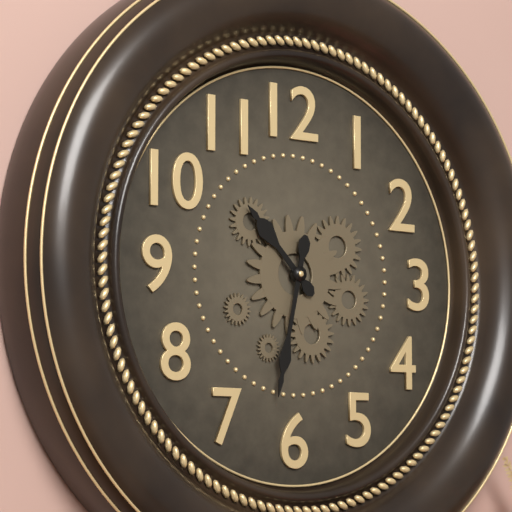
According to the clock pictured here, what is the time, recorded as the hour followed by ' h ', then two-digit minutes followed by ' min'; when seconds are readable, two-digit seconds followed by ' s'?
10 h 32 min
